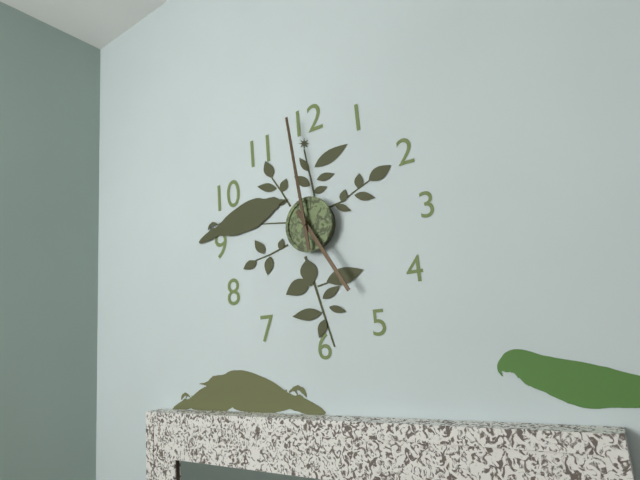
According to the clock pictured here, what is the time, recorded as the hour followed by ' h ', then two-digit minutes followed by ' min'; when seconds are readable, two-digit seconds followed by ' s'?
4 h 59 min
